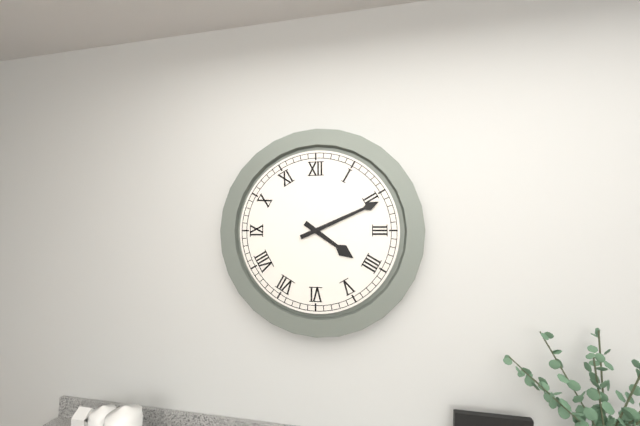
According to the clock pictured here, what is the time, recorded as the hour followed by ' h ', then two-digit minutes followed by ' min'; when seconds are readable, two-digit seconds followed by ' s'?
4 h 11 min
